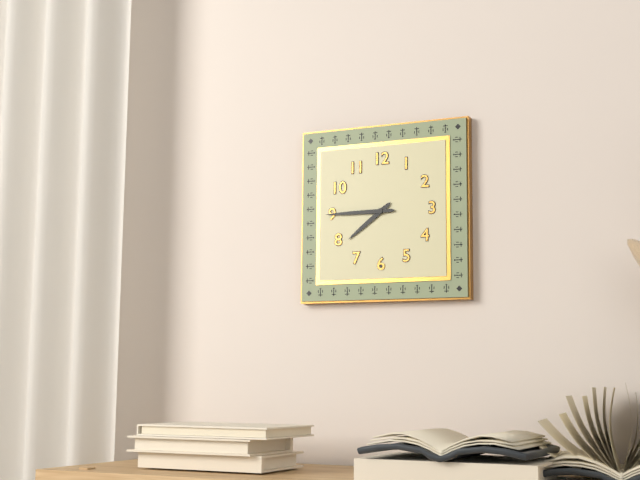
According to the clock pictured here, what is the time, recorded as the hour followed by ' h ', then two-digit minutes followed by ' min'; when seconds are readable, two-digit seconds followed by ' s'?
7 h 45 min
